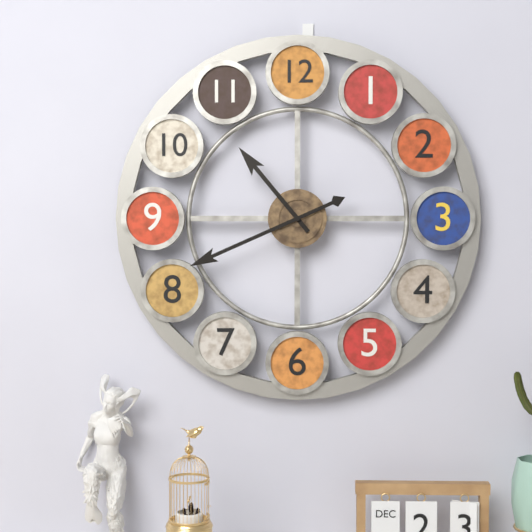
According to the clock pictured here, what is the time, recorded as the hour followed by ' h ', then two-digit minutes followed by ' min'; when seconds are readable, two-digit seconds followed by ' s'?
10 h 41 min
